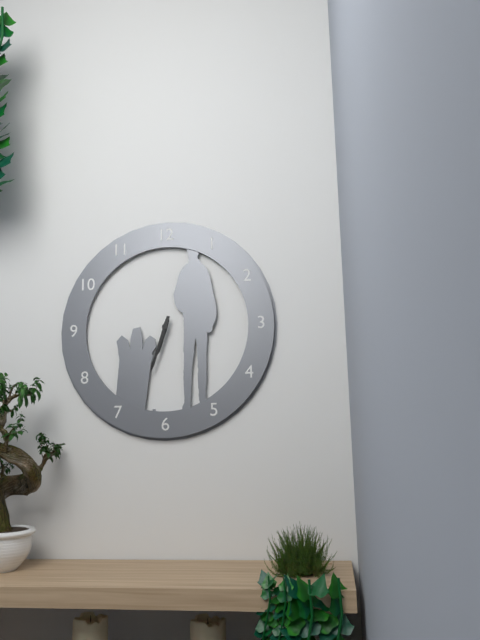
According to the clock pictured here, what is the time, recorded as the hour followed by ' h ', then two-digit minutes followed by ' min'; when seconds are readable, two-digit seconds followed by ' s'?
6 h 33 min
